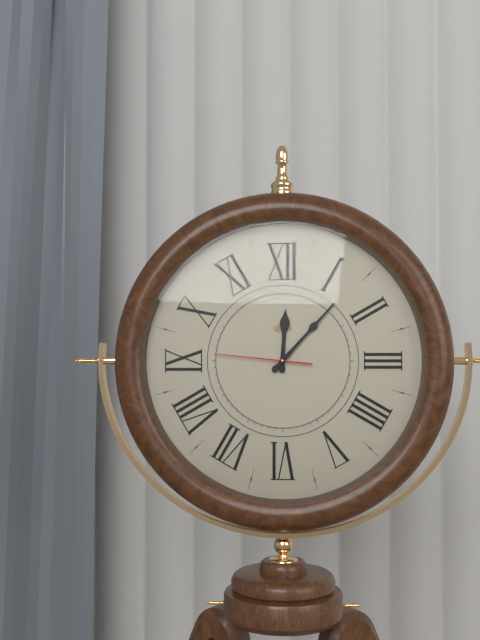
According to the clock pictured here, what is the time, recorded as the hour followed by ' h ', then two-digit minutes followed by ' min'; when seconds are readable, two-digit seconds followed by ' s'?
12 h 07 min 46 s
